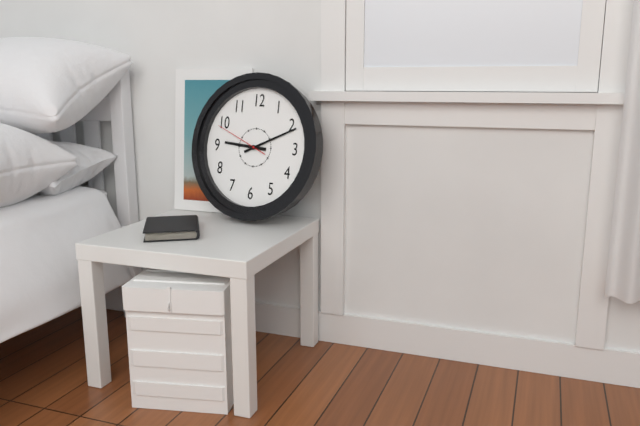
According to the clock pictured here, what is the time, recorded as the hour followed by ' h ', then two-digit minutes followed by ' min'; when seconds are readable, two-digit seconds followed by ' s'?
9 h 11 min 49 s
